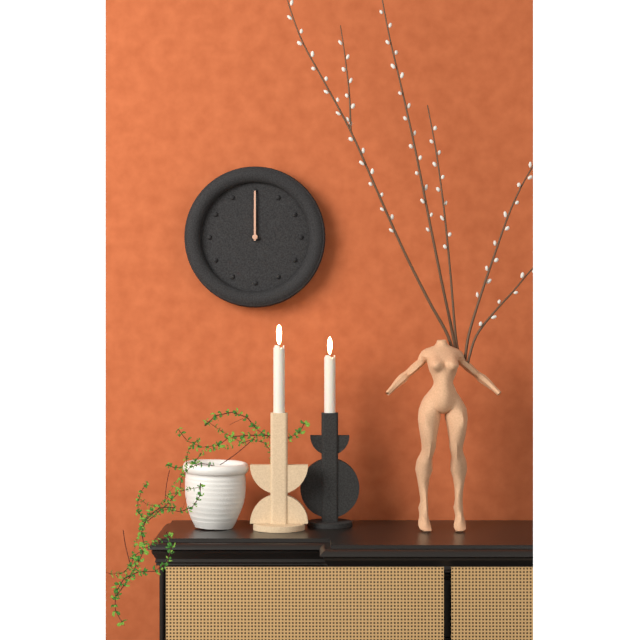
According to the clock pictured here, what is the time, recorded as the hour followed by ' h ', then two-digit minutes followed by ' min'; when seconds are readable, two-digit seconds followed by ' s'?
12 h 00 min
